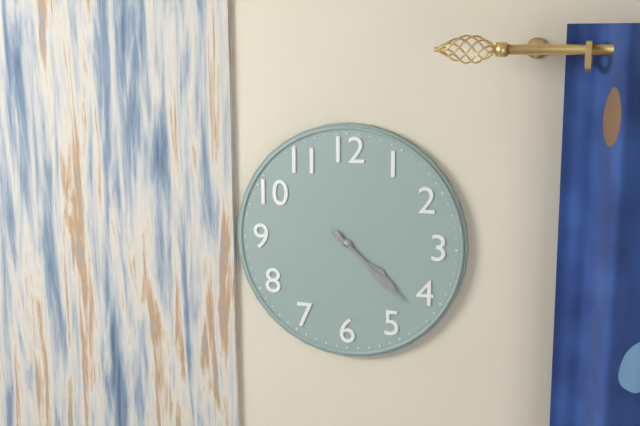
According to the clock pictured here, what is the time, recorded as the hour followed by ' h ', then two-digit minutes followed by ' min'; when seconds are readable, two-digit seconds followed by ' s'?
4 h 22 min
